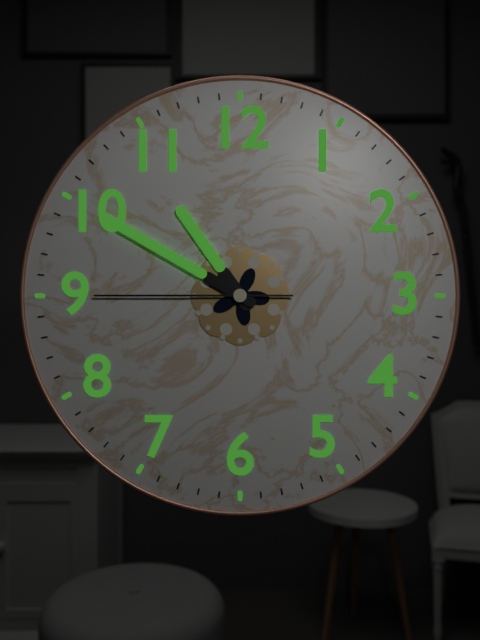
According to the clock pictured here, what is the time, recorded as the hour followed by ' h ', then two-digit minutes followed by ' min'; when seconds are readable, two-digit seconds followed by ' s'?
10 h 50 min 45 s
